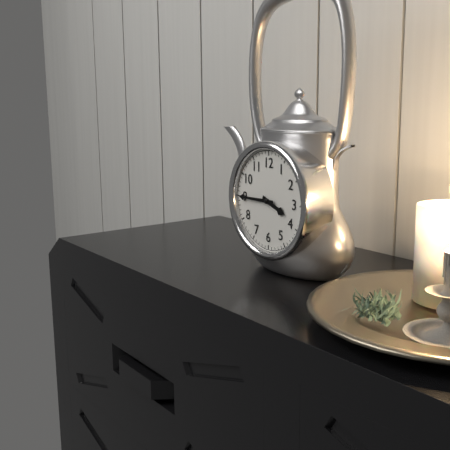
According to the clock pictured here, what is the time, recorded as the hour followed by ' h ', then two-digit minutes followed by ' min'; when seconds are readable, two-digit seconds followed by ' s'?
3 h 45 min
